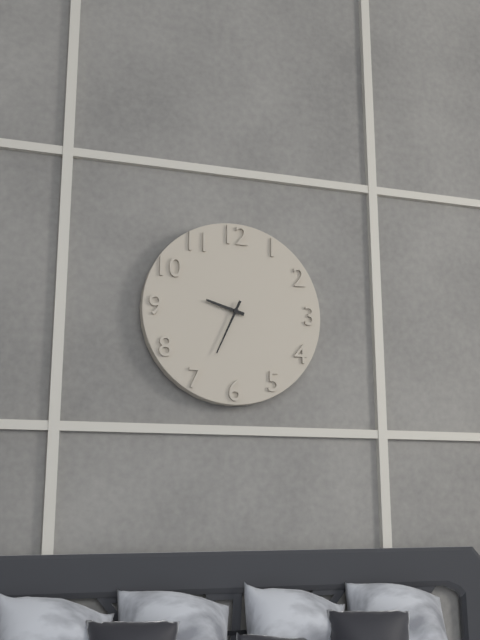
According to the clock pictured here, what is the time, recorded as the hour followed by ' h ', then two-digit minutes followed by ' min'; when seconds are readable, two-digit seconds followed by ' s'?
9 h 34 min
